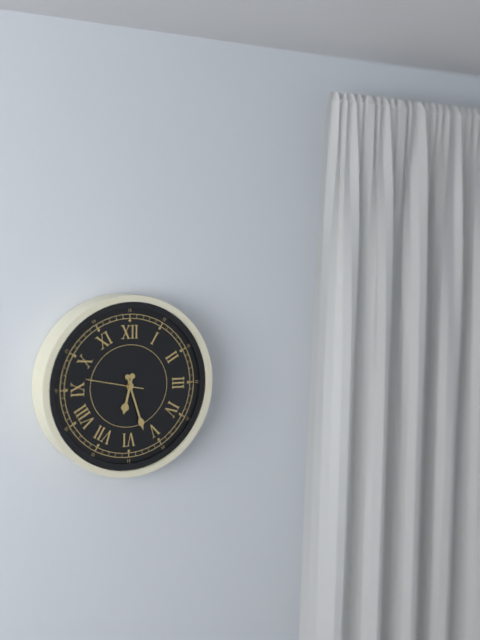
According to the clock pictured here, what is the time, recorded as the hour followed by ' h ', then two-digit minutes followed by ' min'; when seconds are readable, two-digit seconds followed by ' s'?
6 h 27 min 47 s
